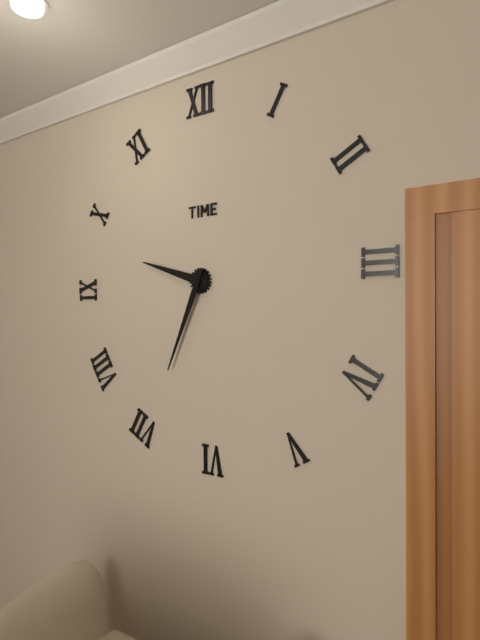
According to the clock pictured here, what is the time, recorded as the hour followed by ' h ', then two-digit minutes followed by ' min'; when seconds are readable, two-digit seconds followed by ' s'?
9 h 34 min
